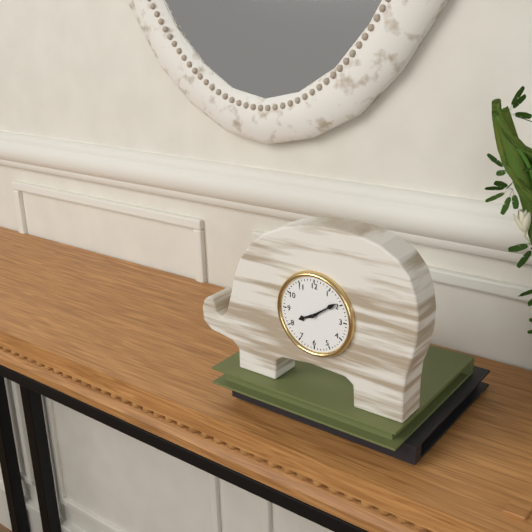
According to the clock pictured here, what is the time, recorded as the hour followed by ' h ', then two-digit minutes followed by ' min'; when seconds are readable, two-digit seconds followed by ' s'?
8 h 09 min
